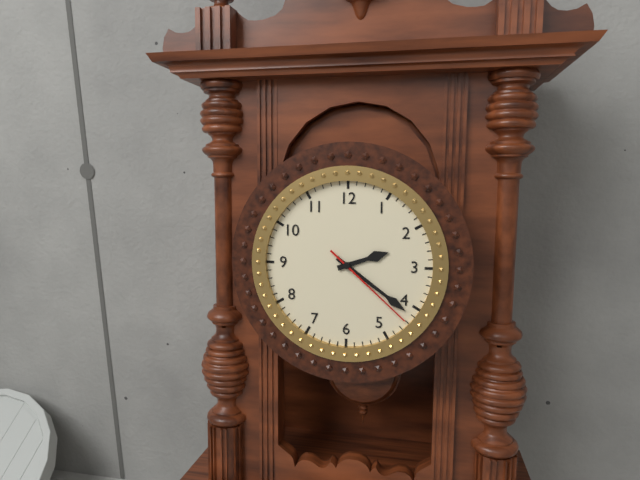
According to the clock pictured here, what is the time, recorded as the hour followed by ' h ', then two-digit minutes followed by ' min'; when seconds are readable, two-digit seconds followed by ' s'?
2 h 21 min 22 s
